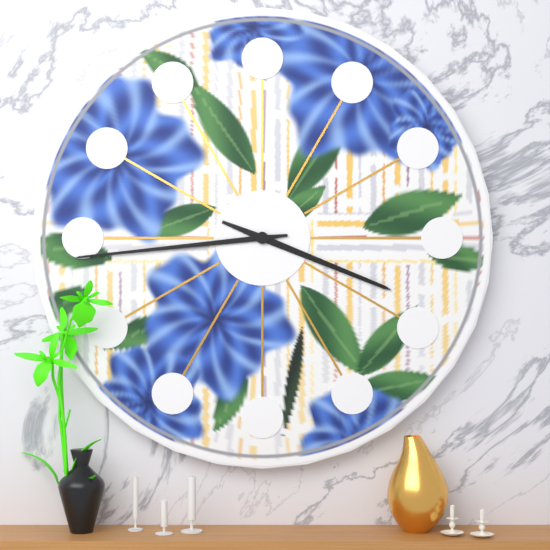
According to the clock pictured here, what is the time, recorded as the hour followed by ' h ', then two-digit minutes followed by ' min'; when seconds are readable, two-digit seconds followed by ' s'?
3 h 44 min
